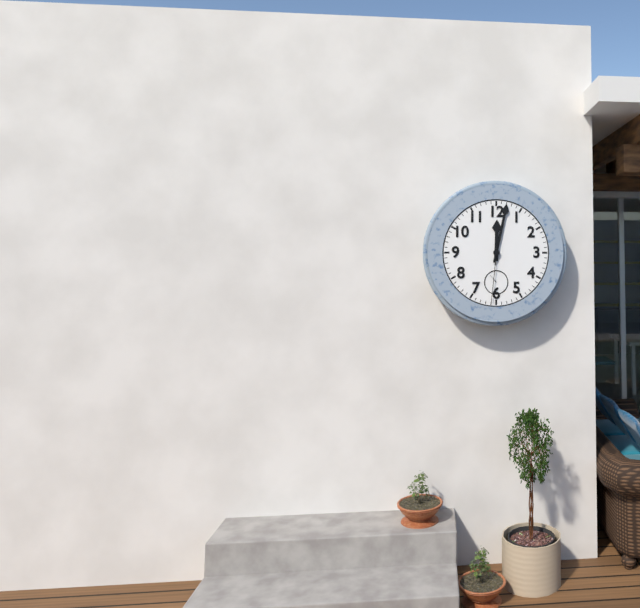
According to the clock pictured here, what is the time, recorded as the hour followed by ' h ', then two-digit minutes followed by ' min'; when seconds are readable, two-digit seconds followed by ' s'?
12 h 02 min 31 s
